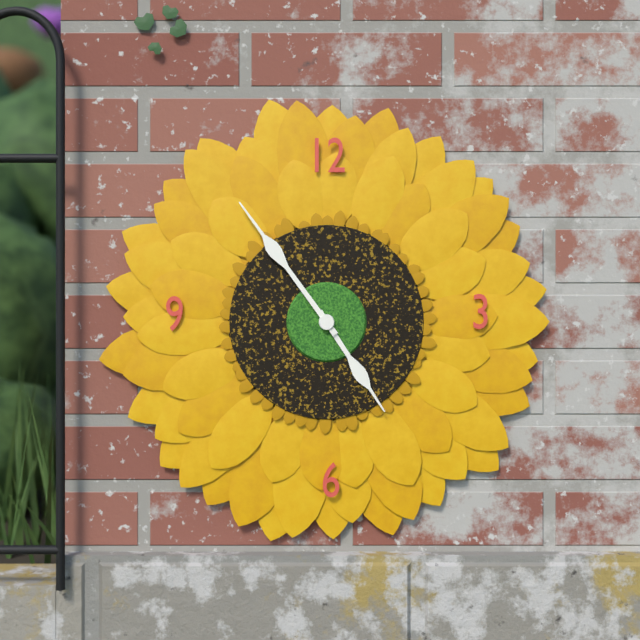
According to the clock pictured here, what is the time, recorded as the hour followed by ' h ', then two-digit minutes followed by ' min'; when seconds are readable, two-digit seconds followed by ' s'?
4 h 54 min
